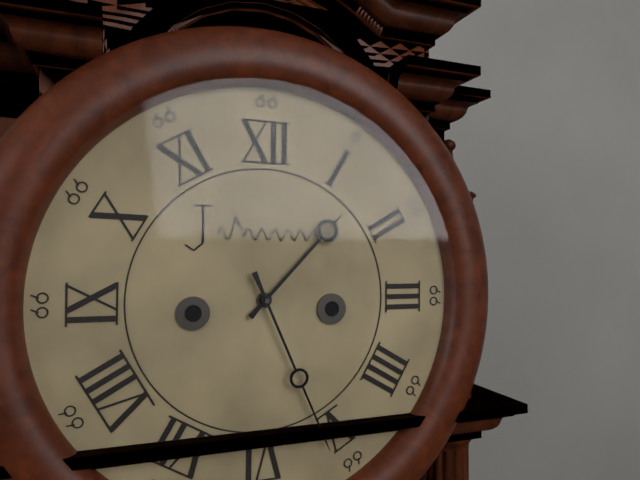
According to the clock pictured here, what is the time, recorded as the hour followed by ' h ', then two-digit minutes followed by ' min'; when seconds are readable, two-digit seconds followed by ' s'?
1 h 26 min
